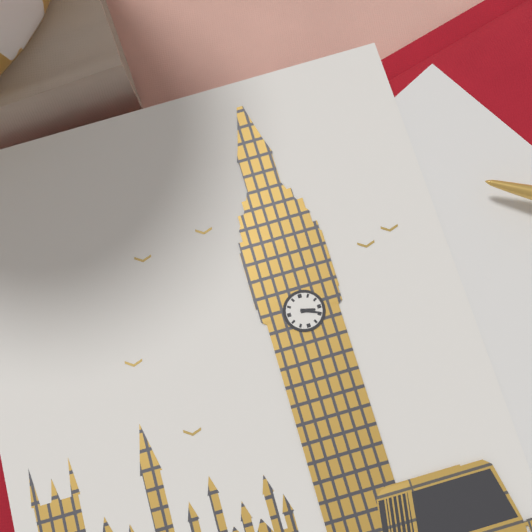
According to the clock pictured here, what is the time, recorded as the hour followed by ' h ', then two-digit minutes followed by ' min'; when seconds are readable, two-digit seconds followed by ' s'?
3 h 19 min
